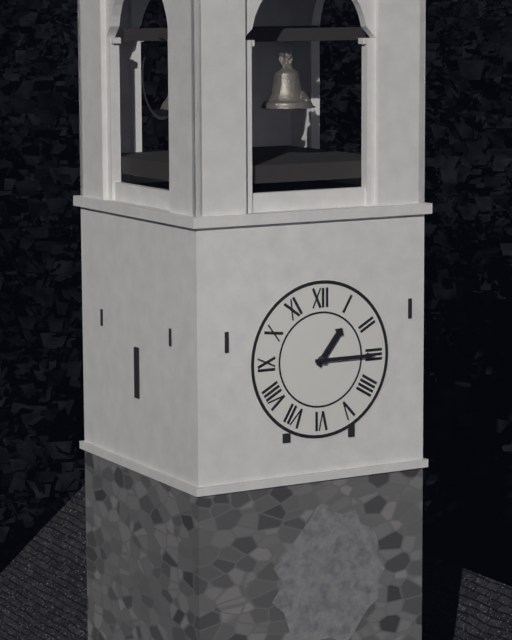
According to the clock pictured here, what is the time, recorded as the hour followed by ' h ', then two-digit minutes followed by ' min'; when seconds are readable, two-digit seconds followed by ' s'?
1 h 15 min
